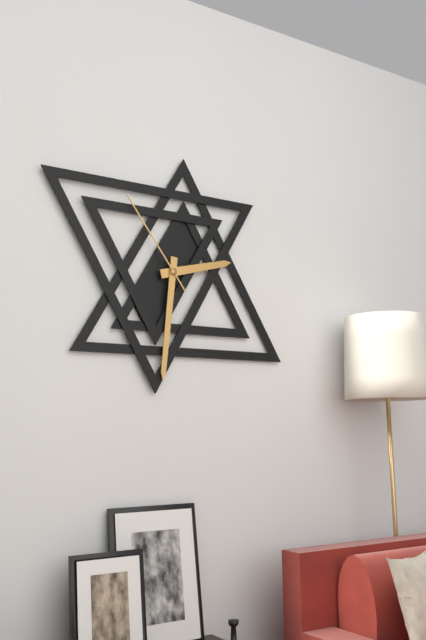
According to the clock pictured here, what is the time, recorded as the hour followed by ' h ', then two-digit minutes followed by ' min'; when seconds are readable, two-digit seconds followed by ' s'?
2 h 31 min 54 s
